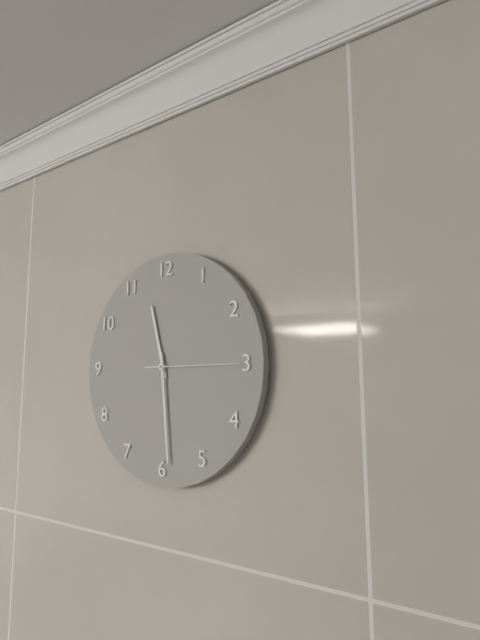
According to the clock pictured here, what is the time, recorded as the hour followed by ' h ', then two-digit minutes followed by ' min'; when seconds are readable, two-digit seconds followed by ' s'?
11 h 29 min 15 s
